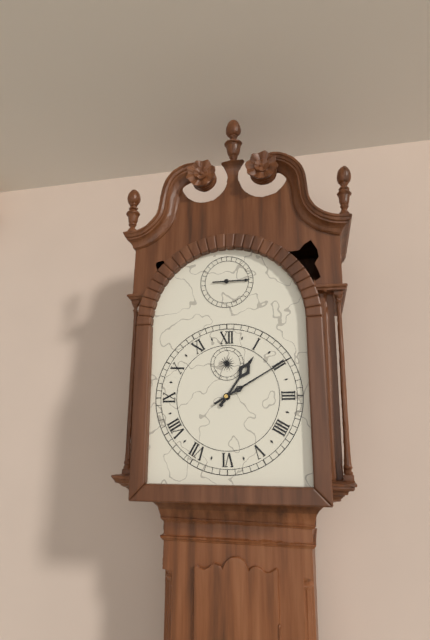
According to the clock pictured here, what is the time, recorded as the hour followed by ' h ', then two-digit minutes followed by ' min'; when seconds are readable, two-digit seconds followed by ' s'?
1 h 10 min
